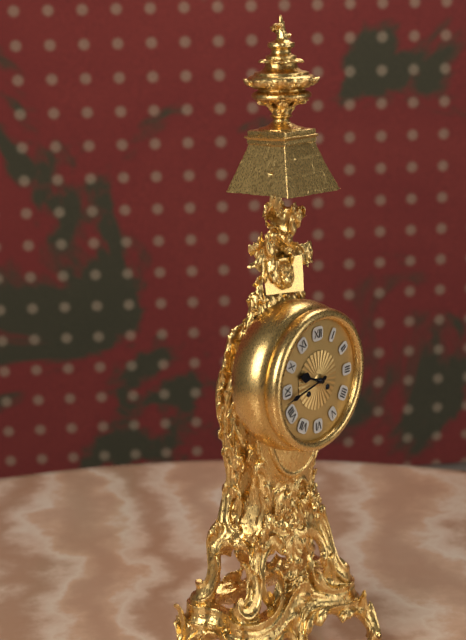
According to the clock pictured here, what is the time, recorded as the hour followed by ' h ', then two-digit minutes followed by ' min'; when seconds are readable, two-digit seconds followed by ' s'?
9 h 43 min
